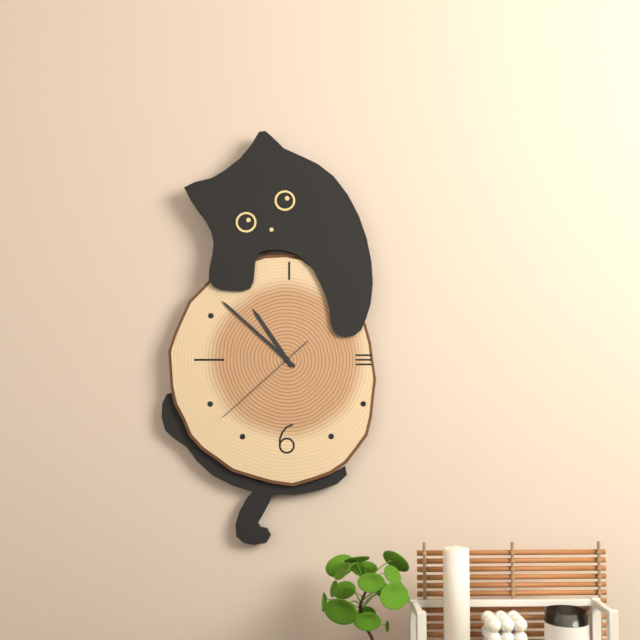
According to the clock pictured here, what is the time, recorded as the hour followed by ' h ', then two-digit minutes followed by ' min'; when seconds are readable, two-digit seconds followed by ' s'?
10 h 52 min 38 s
